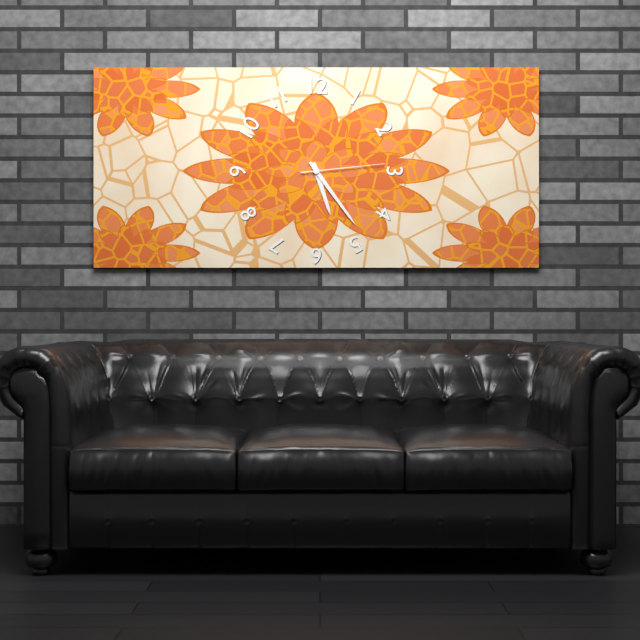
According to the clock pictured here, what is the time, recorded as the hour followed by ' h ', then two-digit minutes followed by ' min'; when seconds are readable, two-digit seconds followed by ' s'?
5 h 24 min 14 s
